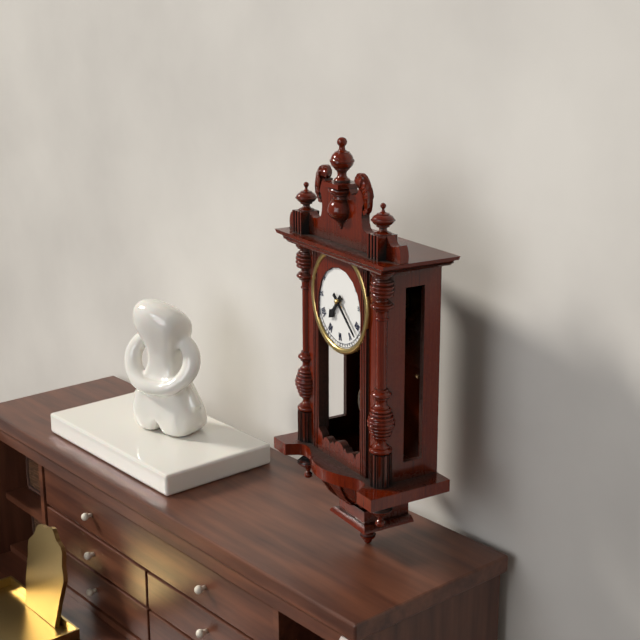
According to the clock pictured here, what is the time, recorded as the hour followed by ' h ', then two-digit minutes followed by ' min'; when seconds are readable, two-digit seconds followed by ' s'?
7 h 22 min
